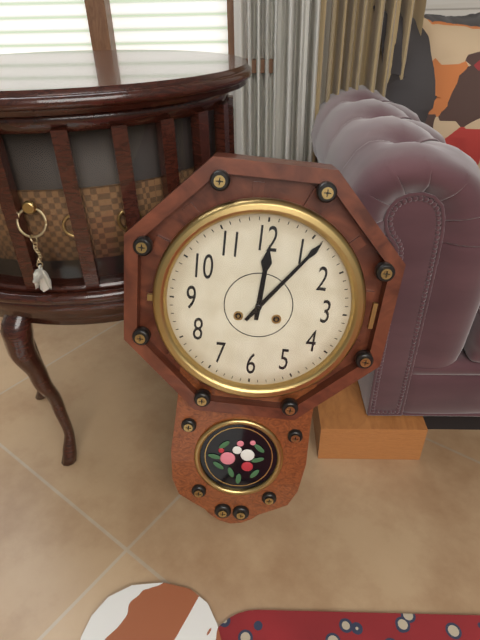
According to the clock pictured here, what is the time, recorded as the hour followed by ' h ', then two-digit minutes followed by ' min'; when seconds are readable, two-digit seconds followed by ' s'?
12 h 06 min
